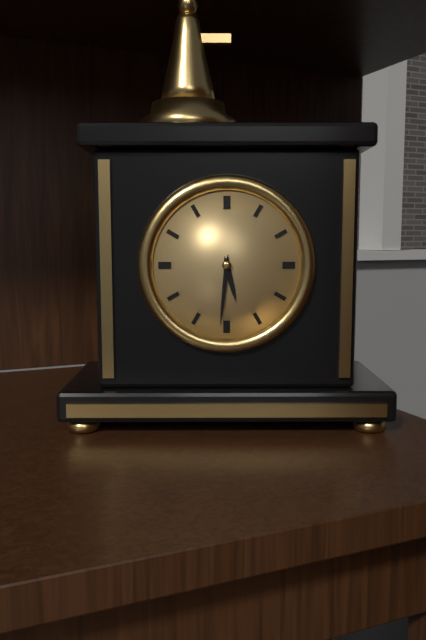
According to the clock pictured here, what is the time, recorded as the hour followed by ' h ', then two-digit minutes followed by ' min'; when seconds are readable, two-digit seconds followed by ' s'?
5 h 31 min
